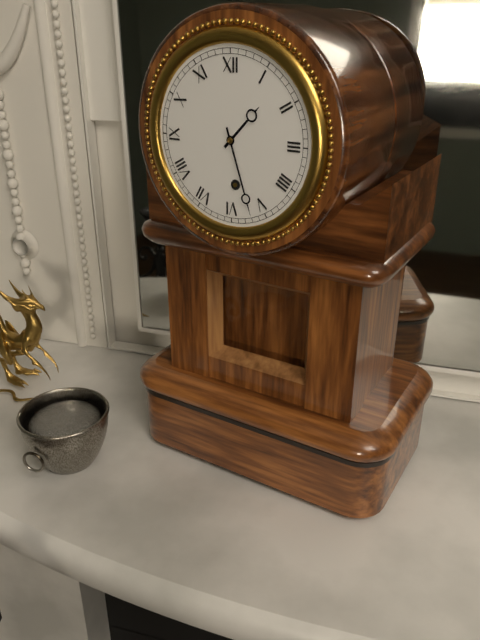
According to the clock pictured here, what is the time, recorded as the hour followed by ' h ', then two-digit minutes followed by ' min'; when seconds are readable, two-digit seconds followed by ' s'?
1 h 27 min
